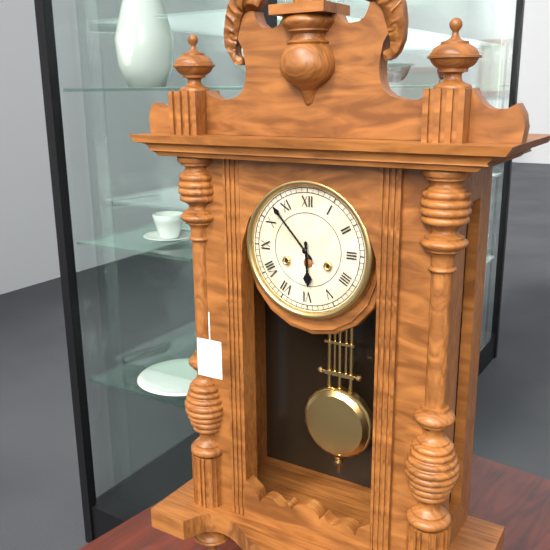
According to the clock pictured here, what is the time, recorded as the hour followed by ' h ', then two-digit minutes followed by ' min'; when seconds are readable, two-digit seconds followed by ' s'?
5 h 53 min
